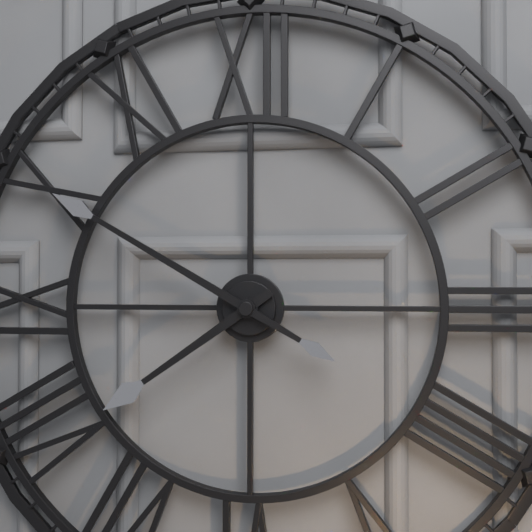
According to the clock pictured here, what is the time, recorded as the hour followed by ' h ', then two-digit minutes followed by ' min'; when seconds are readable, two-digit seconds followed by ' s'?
7 h 50 min
